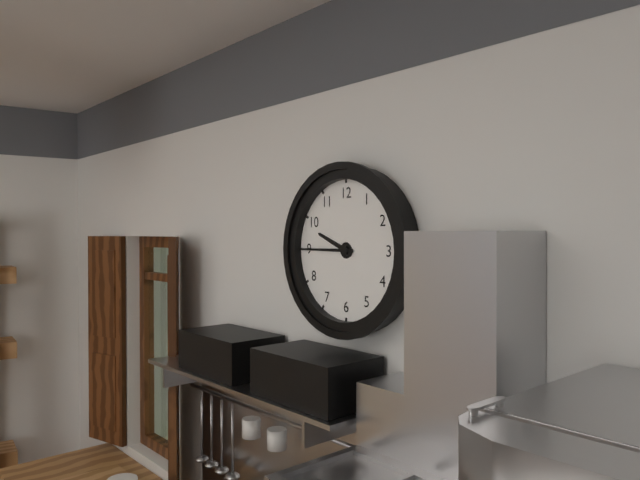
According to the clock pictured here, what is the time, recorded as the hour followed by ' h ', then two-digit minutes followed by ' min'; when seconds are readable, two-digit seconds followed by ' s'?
9 h 45 min
